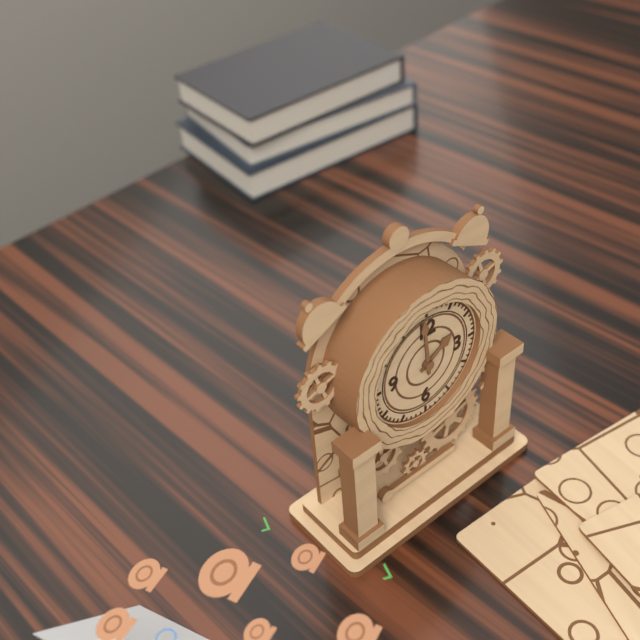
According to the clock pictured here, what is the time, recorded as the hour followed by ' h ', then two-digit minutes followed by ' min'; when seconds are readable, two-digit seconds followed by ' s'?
1 h 59 min
